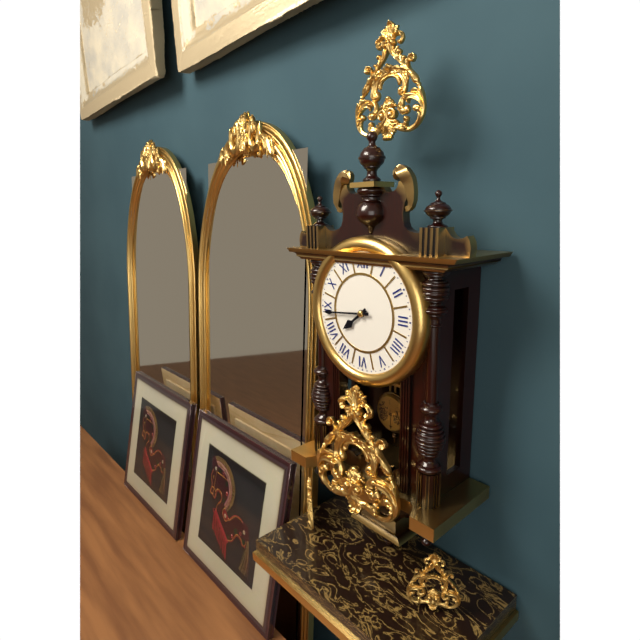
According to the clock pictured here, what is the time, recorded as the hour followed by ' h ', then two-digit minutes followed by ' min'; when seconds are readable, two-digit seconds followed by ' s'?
7 h 44 min
